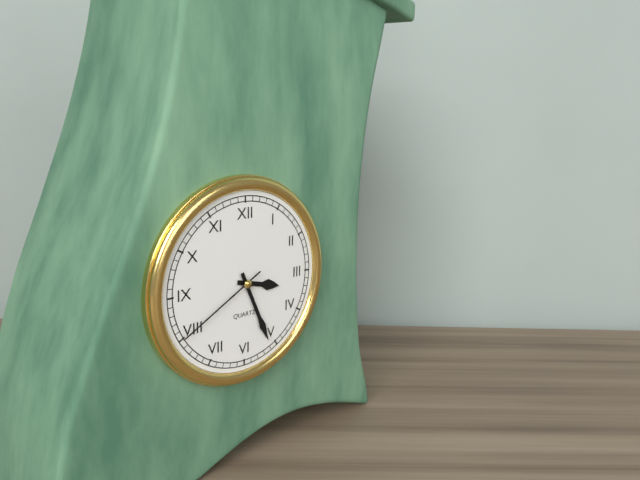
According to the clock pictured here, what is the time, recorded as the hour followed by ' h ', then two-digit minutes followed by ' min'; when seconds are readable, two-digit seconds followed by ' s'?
3 h 26 min 40 s
